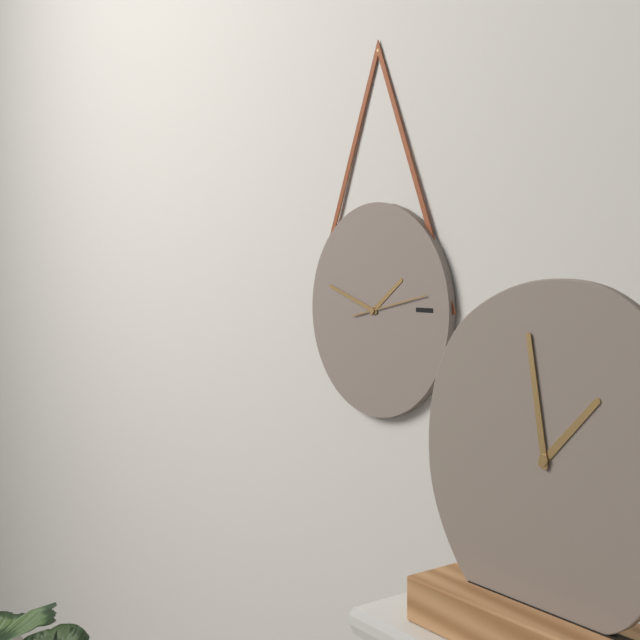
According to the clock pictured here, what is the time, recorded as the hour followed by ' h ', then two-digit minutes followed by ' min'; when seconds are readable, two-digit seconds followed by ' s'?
1 h 48 min 13 s
